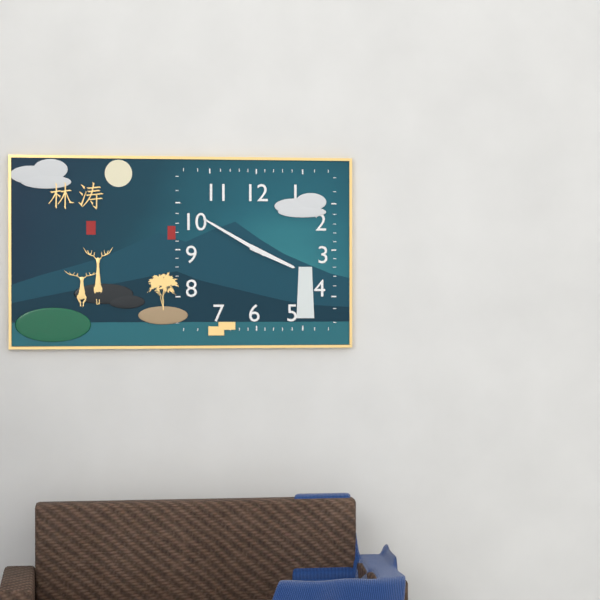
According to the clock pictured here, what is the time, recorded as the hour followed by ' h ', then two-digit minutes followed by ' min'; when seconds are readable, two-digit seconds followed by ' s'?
3 h 50 min
